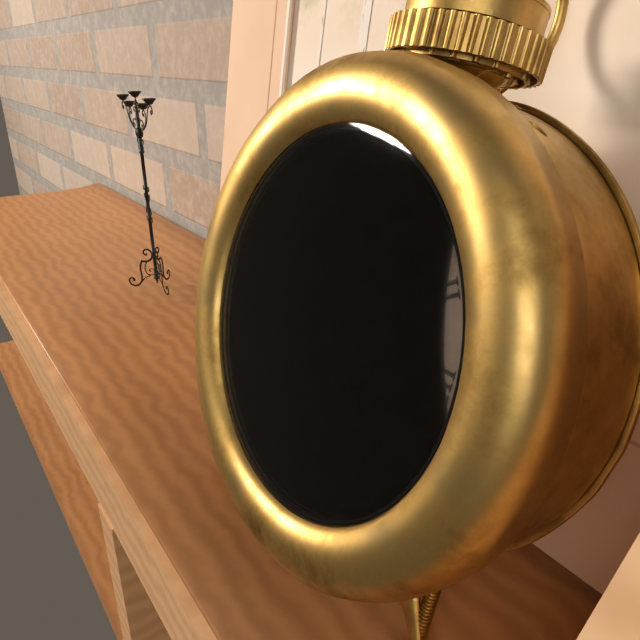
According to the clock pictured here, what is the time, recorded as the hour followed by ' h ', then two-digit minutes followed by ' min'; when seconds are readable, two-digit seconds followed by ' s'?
11 h 35 min 32 s
